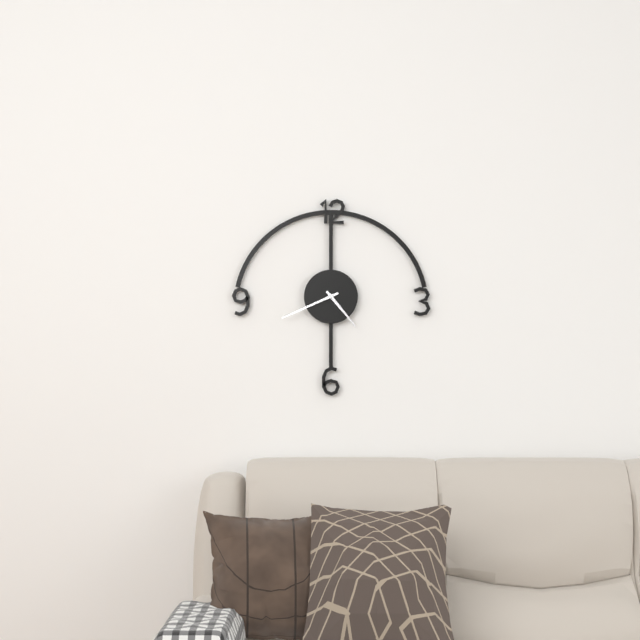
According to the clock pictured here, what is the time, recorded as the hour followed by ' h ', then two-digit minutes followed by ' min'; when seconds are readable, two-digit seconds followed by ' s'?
4 h 41 min
